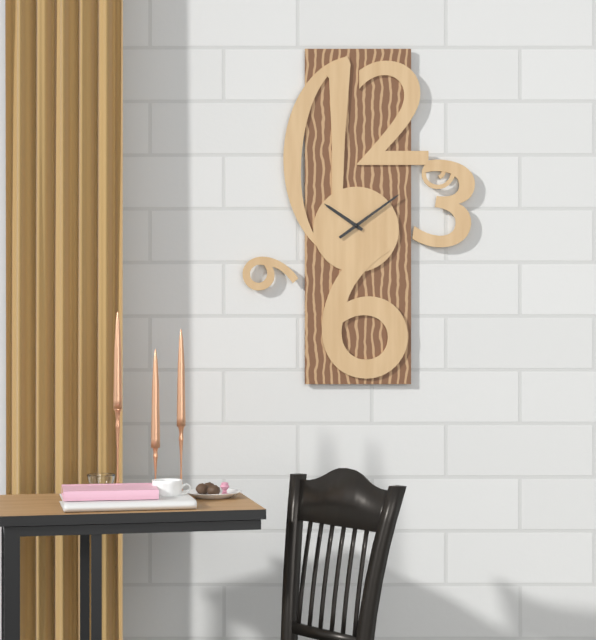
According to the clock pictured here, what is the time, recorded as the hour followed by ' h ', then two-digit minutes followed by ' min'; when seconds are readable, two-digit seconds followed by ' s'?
10 h 09 min
